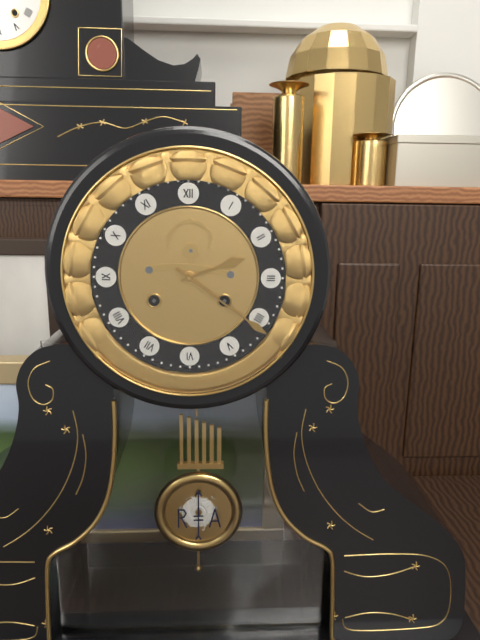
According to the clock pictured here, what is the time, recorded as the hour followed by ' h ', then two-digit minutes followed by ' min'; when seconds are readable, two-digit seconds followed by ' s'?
2 h 21 min
